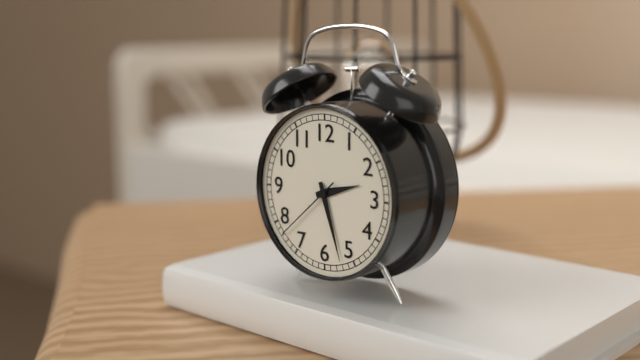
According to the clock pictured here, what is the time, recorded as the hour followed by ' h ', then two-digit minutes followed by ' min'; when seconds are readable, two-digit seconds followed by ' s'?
2 h 27 min 38 s
